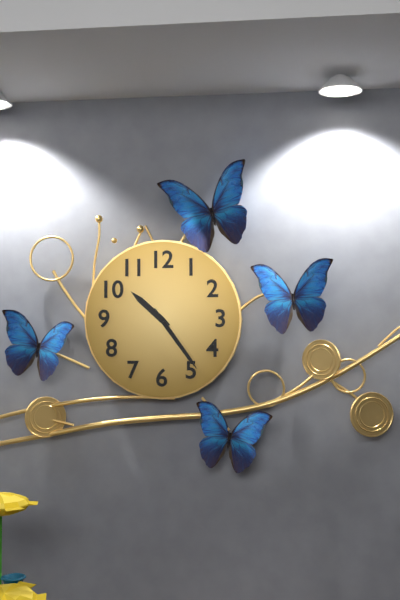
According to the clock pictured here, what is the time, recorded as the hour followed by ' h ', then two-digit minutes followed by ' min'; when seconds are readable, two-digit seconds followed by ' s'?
10 h 24 min
